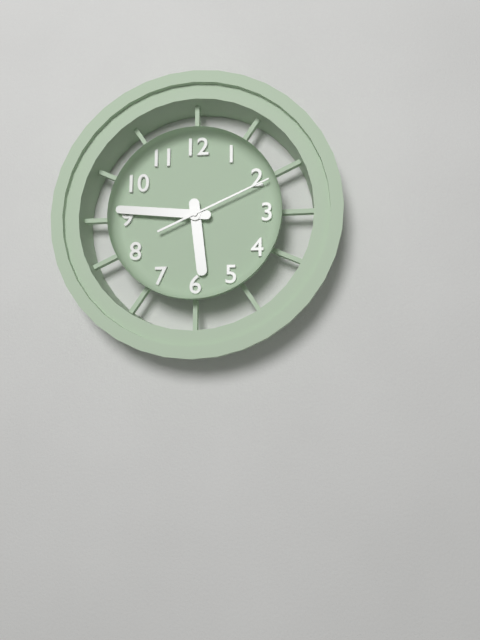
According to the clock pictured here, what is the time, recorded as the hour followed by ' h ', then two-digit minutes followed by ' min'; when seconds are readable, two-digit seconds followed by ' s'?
5 h 46 min 11 s
